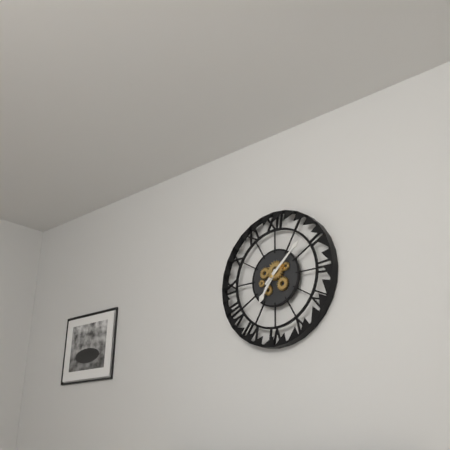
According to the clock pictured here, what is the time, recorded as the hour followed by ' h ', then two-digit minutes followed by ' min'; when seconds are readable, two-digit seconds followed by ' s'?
7 h 08 min
